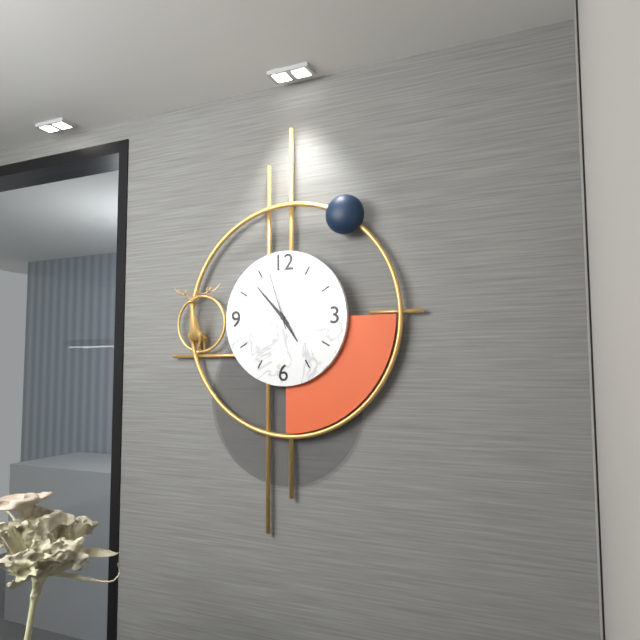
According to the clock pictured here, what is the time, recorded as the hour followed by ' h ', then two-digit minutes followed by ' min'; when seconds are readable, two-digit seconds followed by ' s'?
4 h 53 min 57 s
